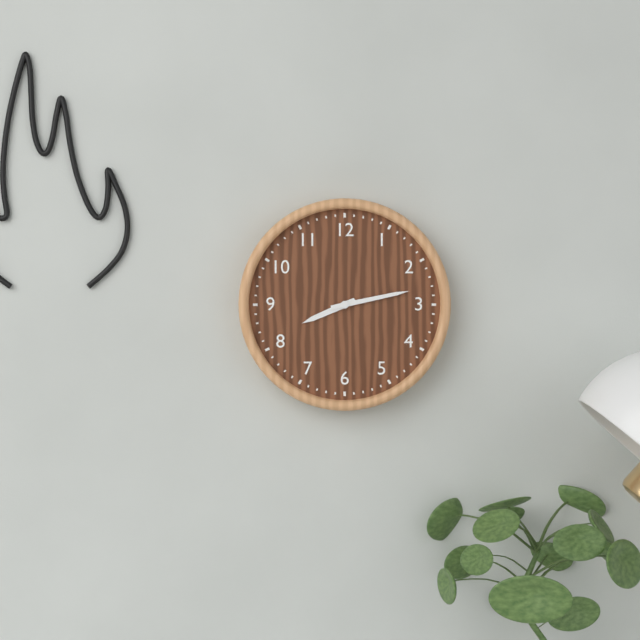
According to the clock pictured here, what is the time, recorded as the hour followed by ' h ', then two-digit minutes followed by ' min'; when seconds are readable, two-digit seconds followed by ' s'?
8 h 13 min
